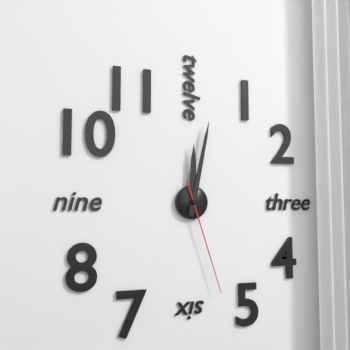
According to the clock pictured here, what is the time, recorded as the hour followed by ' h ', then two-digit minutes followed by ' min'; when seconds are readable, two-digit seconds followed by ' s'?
12 h 02 min 27 s
